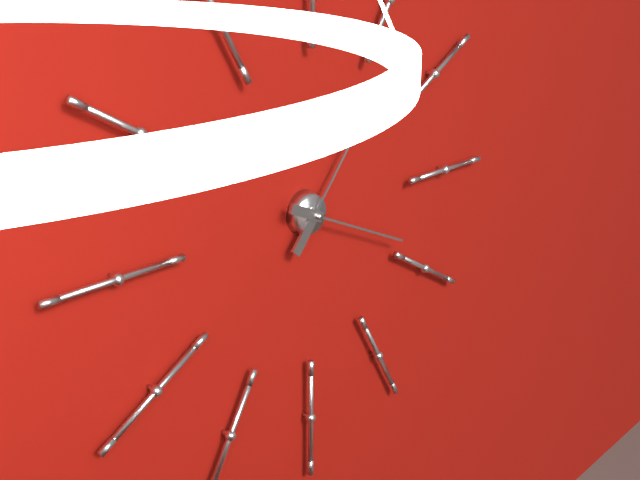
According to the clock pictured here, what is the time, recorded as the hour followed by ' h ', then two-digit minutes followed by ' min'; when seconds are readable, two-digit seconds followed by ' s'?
1 h 19 min
